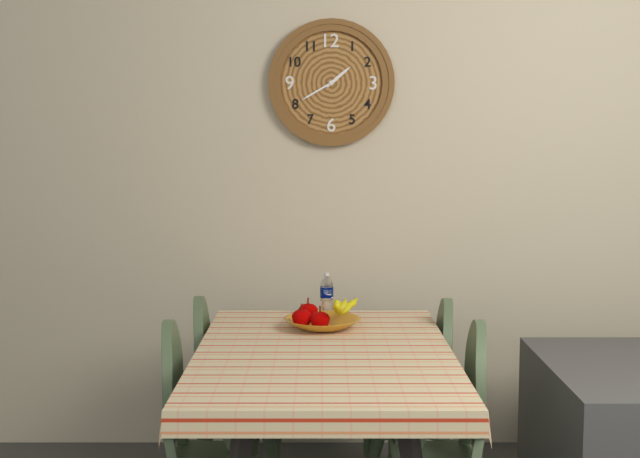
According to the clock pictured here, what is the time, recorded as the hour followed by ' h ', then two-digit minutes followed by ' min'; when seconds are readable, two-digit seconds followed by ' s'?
1 h 40 min
